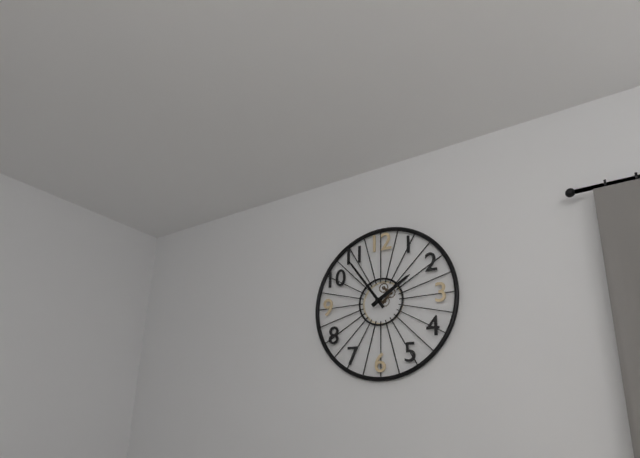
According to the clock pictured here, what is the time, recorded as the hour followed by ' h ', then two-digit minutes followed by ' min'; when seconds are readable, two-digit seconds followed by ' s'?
1 h 54 min
